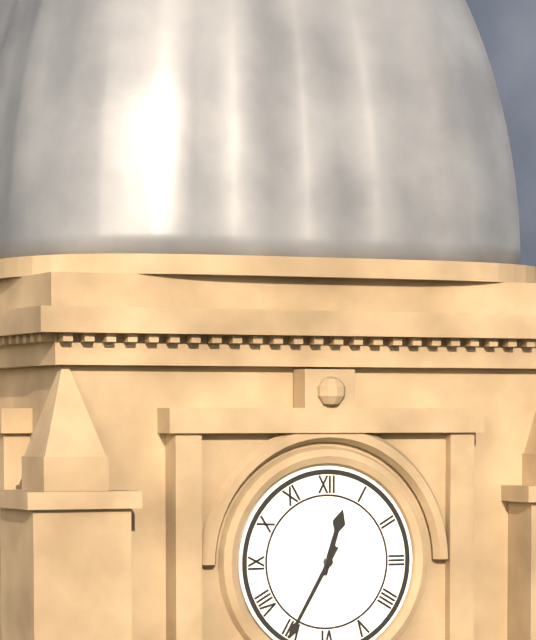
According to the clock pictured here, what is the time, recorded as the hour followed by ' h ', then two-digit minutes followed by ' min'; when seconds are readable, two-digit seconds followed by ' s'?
12 h 35 min
